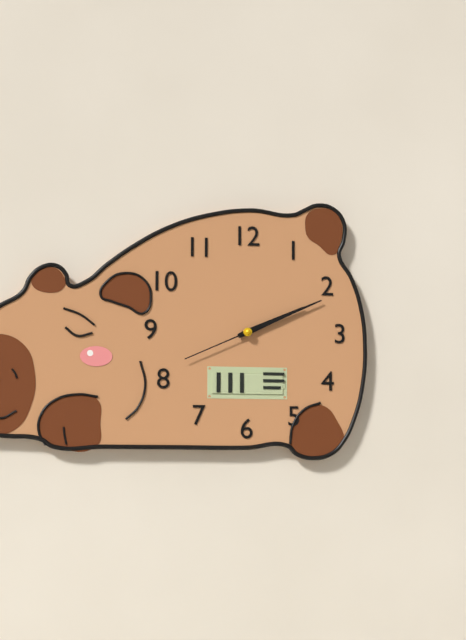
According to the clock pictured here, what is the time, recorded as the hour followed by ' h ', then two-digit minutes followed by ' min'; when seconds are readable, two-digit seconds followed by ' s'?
2 h 11 min 41 s
